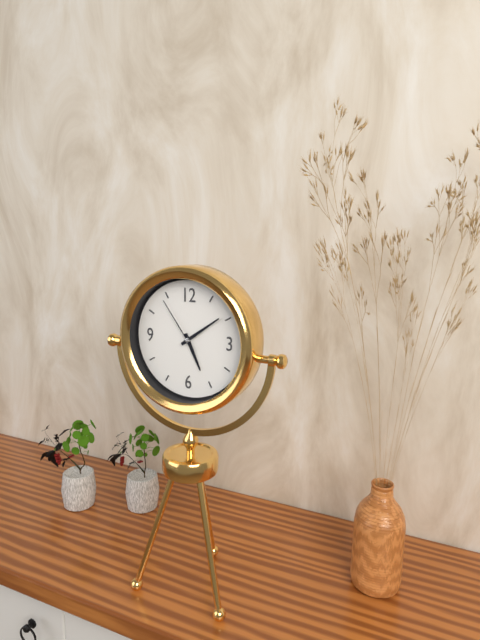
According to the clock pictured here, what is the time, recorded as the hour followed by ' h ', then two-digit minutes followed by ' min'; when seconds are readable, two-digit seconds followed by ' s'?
5 h 09 min 54 s
